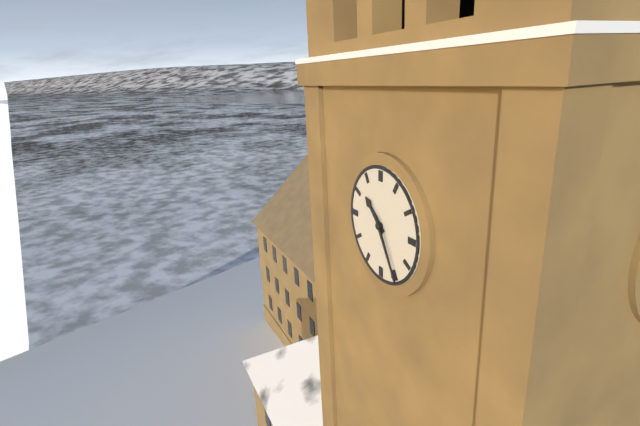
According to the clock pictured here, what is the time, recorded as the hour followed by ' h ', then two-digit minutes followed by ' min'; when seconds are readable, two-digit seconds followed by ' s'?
10 h 25 min
